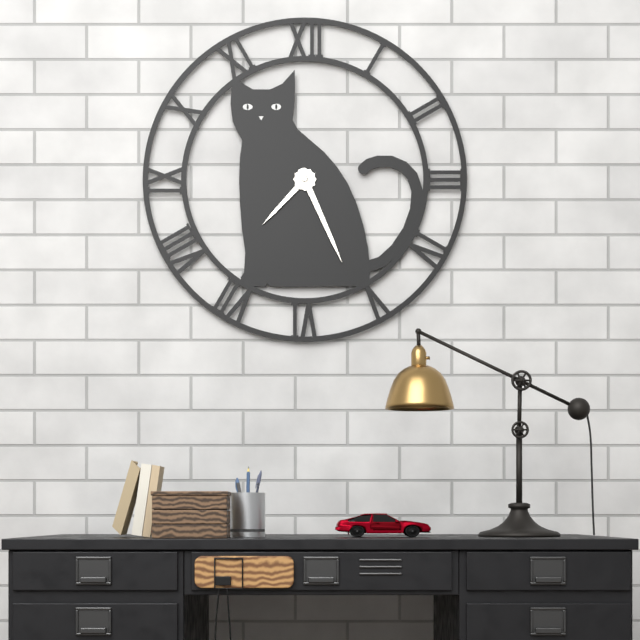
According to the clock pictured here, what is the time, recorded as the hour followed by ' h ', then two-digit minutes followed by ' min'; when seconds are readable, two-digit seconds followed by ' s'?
7 h 26 min
